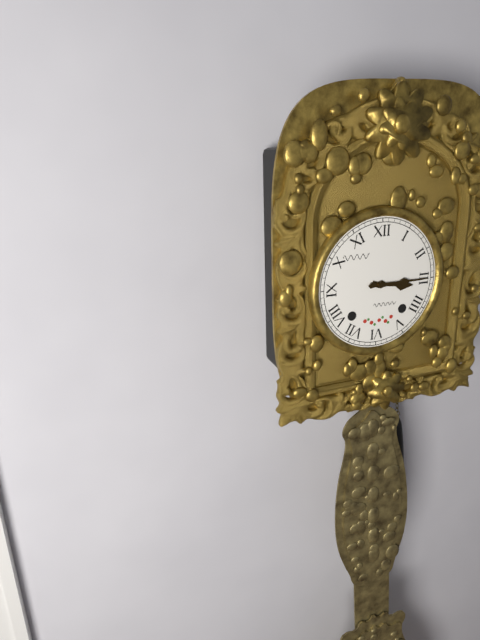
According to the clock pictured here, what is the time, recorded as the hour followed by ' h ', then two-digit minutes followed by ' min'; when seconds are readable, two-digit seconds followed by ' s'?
3 h 15 min
